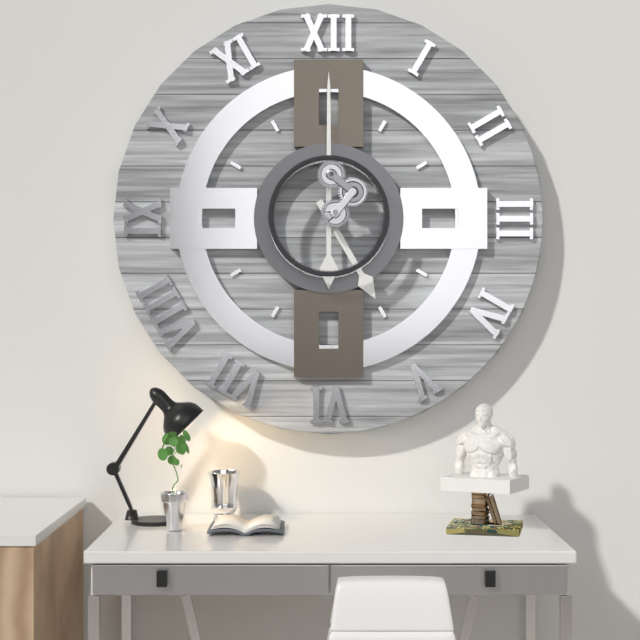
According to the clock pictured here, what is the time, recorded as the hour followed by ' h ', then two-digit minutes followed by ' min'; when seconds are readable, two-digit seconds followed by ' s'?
5 h 00 min
